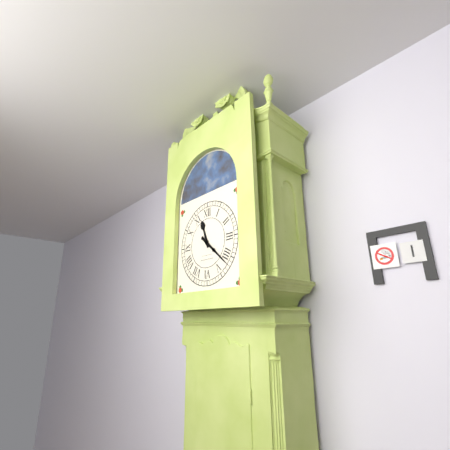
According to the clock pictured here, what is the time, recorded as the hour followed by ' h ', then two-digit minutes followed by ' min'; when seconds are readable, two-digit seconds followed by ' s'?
11 h 22 min
